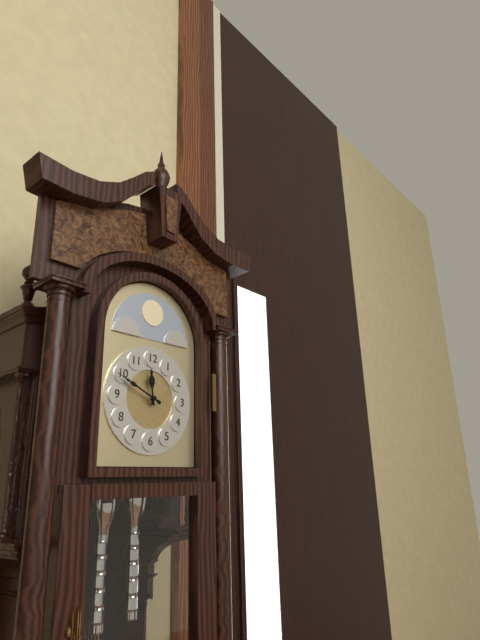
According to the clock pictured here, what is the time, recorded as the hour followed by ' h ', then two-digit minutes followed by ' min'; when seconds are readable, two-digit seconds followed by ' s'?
11 h 49 min
